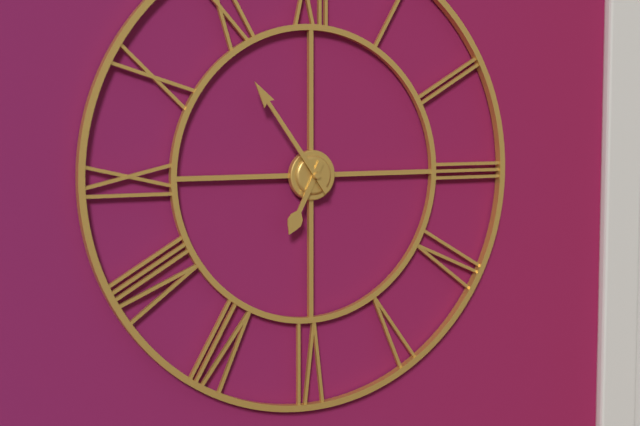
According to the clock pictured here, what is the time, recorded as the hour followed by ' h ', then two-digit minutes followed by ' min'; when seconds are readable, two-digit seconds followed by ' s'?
6 h 54 min
